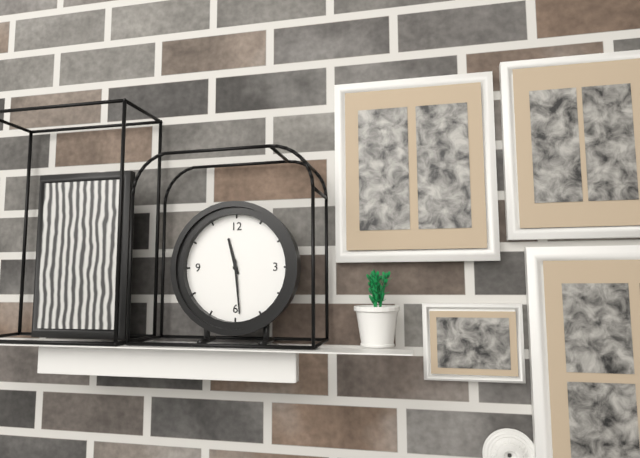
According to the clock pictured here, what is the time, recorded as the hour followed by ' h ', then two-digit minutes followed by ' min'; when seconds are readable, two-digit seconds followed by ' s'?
11 h 29 min
